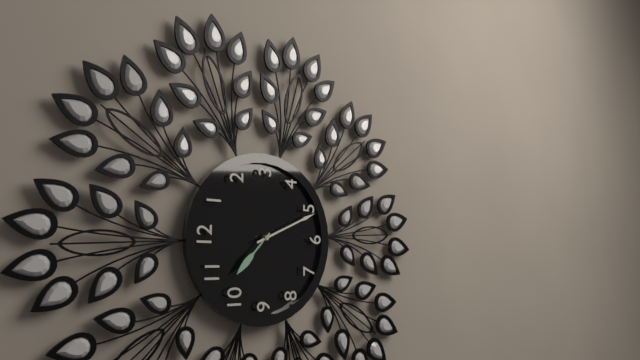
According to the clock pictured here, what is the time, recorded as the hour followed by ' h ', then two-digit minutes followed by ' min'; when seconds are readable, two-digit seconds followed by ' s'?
10 h 26 min
